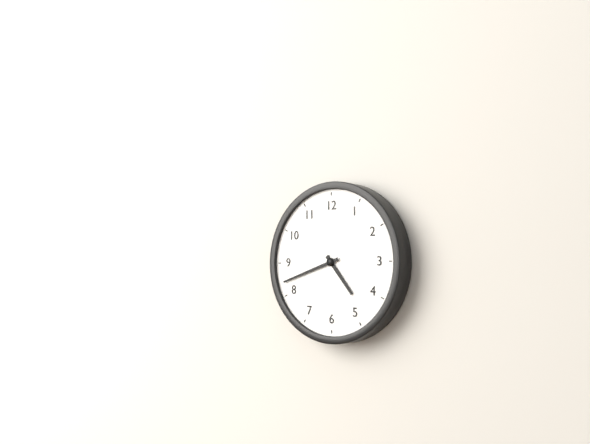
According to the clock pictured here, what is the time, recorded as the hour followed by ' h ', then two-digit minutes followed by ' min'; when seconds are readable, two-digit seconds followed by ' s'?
4 h 42 min
